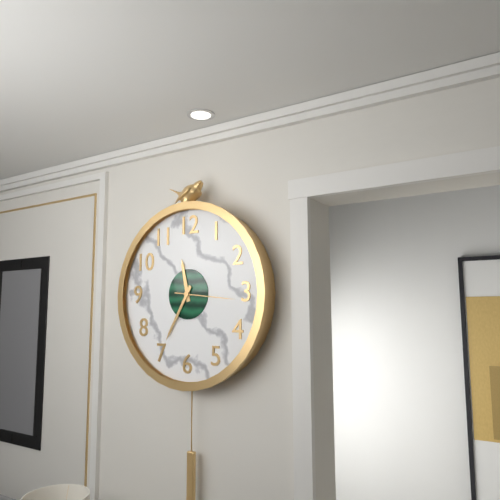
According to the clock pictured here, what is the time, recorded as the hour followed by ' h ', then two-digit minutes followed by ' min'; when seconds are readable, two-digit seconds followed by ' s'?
11 h 35 min 16 s
